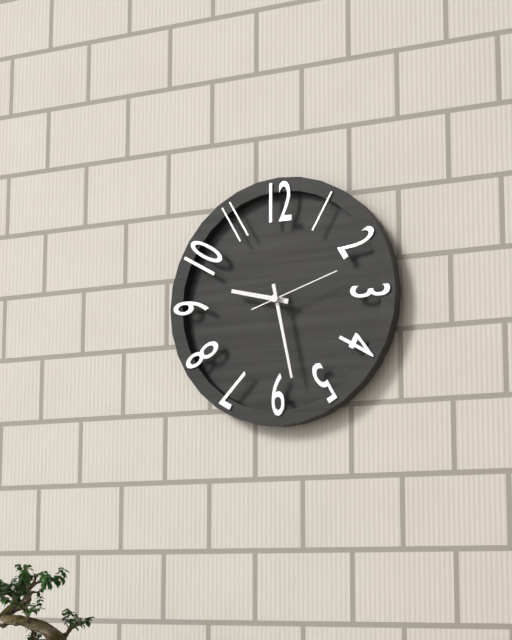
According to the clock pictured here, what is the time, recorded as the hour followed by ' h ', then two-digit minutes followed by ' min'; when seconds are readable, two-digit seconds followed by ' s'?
9 h 28 min 12 s
